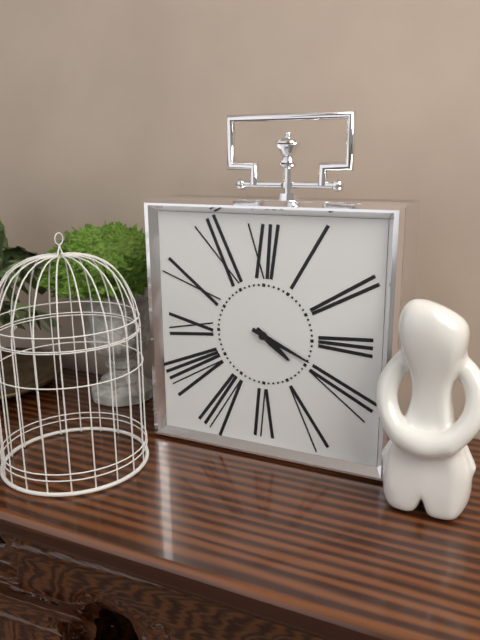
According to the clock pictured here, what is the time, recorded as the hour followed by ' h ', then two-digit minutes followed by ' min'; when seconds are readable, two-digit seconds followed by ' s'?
4 h 19 min
